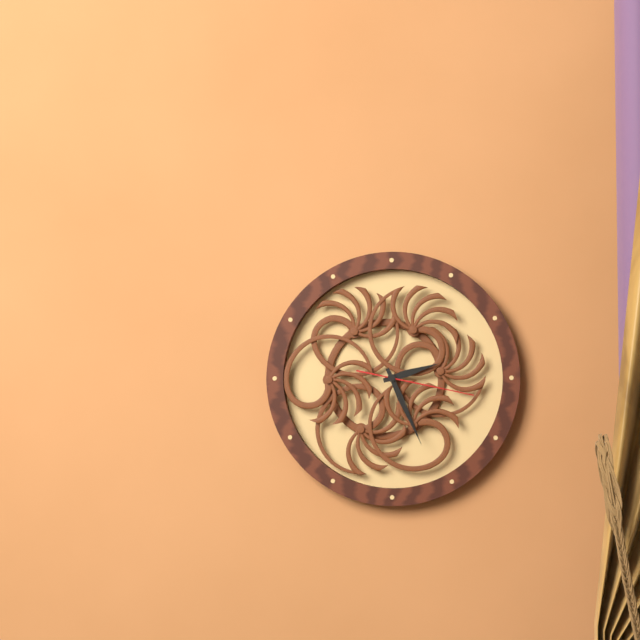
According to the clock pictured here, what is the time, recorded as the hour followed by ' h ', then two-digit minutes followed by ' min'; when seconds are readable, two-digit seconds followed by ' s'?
2 h 26 min 17 s
